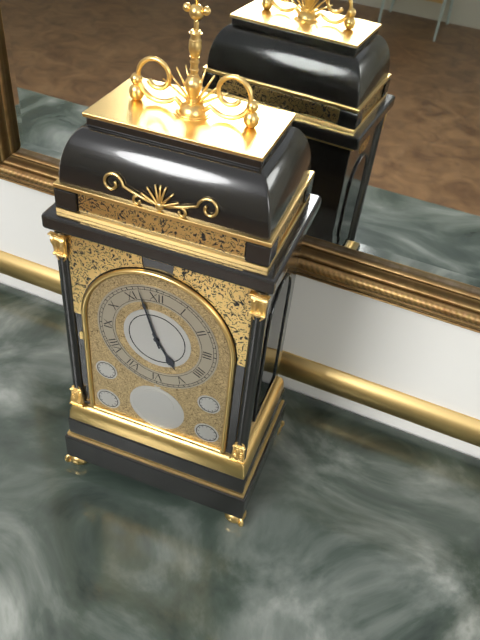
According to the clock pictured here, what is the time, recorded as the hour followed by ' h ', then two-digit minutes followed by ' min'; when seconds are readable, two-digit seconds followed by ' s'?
4 h 57 min
